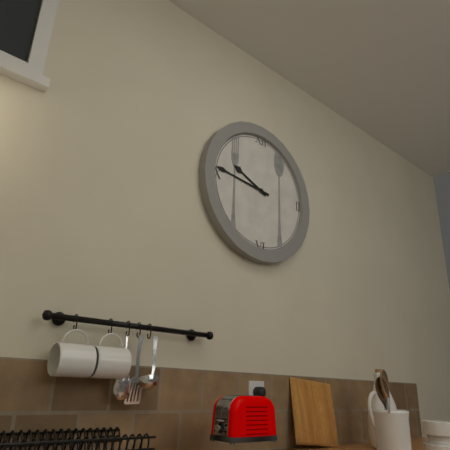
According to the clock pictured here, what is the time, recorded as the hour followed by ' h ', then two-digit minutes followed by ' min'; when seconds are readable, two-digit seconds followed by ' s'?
9 h 46 min
